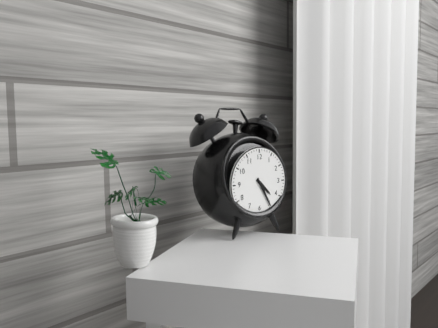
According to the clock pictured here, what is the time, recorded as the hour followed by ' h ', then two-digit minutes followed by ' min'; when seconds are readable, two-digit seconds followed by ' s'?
4 h 25 min
